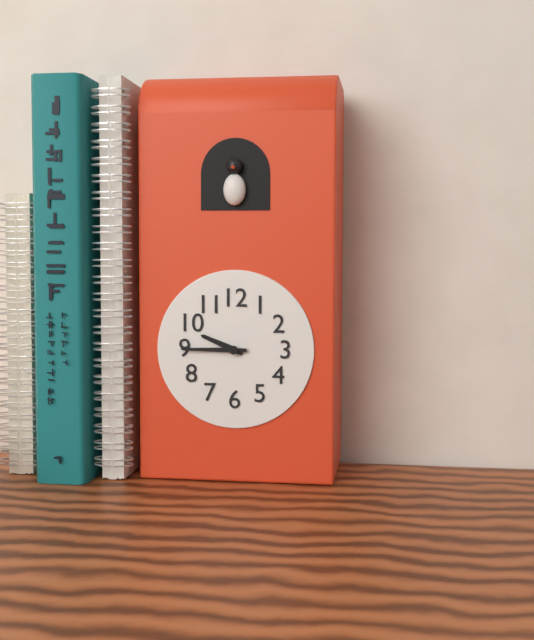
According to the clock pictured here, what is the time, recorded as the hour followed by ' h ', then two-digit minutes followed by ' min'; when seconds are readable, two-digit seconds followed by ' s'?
9 h 45 min
